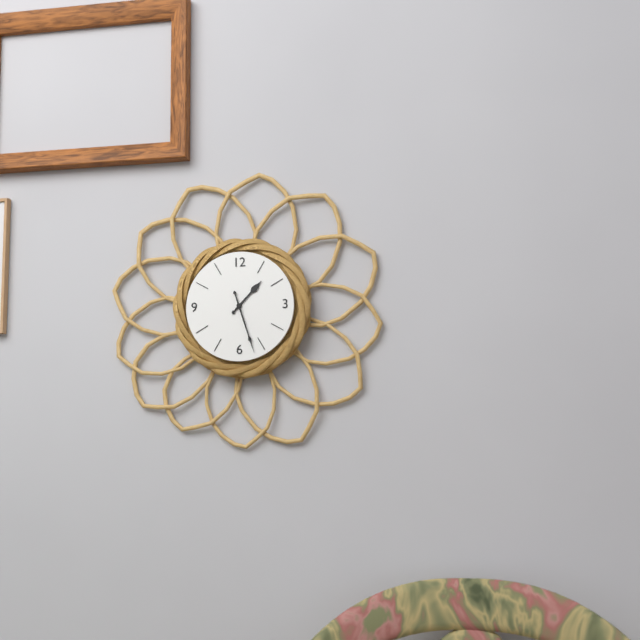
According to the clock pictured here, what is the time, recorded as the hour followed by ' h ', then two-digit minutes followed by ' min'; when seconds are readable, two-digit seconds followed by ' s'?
1 h 27 min
